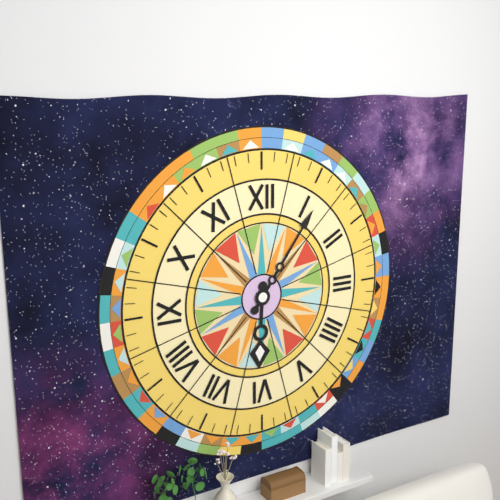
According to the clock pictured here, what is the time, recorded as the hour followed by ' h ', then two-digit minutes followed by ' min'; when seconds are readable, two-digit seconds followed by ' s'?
6 h 06 min
